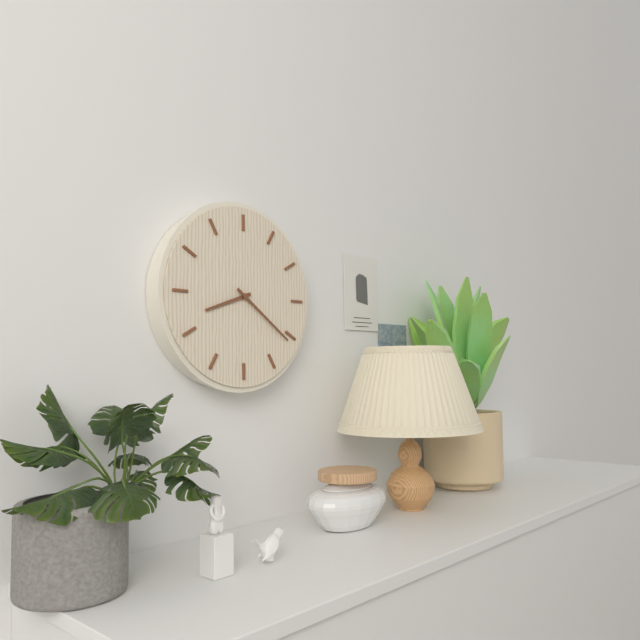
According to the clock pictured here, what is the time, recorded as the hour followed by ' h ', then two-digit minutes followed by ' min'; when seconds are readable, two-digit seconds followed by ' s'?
8 h 21 min
